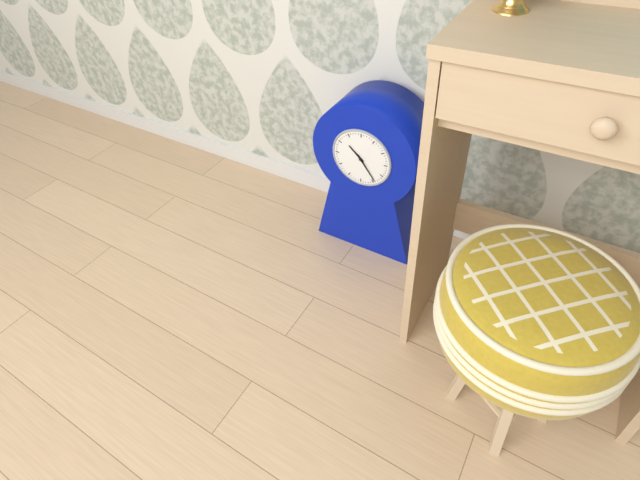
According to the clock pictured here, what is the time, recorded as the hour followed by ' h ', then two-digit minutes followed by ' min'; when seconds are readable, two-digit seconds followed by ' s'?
10 h 24 min
